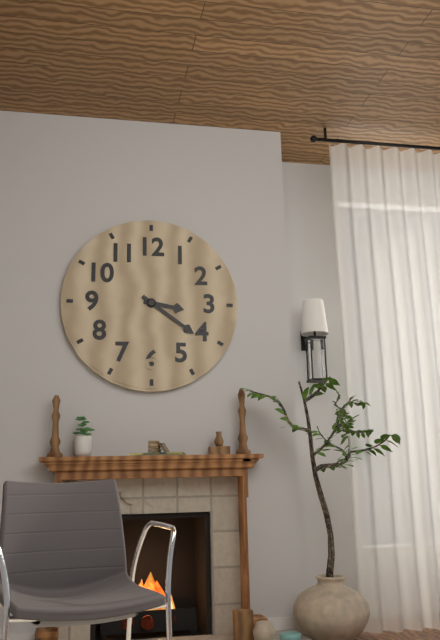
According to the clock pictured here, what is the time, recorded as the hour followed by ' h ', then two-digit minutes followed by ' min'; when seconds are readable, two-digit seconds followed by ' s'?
3 h 21 min
